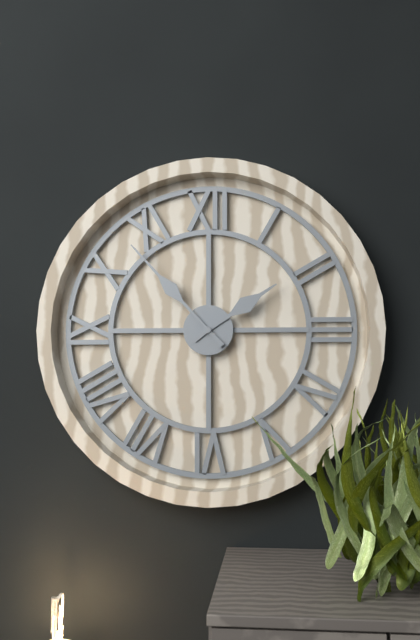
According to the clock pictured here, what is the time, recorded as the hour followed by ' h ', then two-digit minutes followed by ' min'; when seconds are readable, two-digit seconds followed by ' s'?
1 h 53 min
